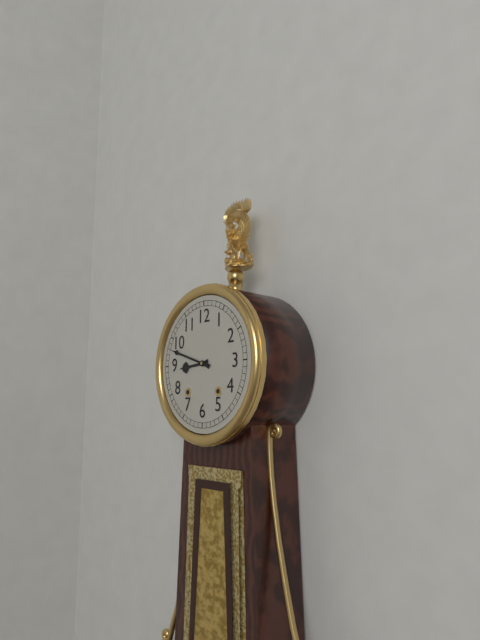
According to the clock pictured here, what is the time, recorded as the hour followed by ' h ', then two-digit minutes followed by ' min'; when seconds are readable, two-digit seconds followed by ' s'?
8 h 48 min
